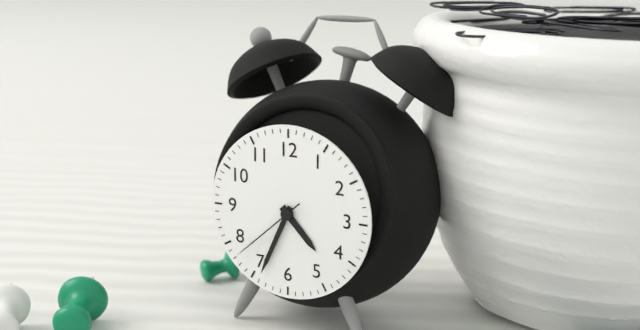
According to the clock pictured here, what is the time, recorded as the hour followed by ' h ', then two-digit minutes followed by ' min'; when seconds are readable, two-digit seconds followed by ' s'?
4 h 34 min 38 s
